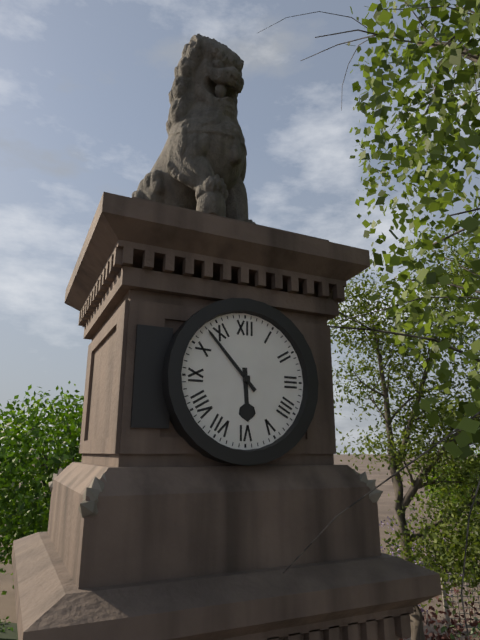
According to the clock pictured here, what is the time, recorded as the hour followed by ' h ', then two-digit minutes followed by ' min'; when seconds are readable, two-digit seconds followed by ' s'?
5 h 53 min
